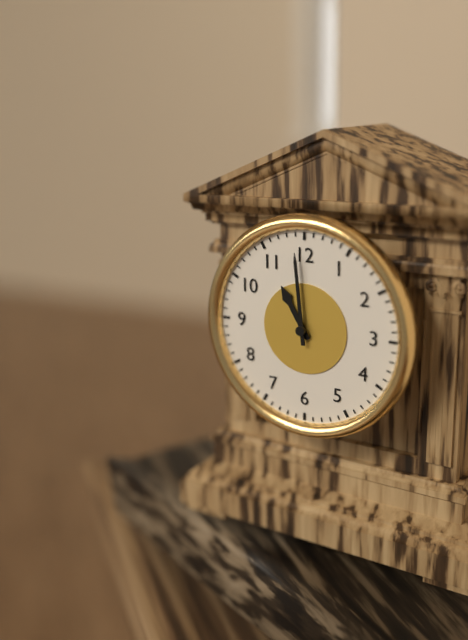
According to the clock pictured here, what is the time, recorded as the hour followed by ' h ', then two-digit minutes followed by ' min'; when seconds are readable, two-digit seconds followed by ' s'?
10 h 59 min
